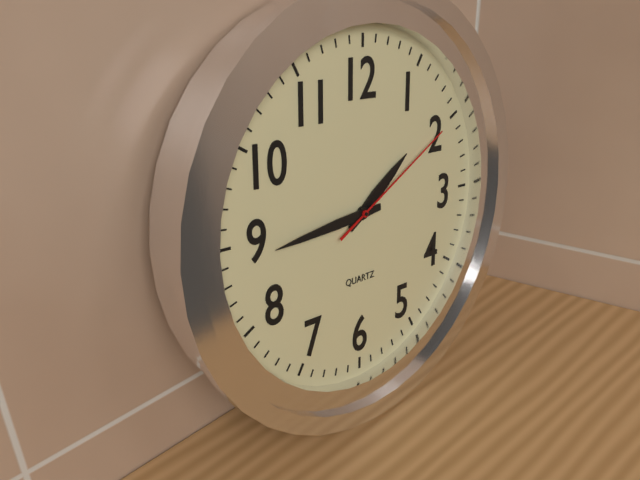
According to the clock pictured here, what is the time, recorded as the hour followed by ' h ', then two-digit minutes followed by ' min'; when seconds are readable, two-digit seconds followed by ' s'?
1 h 44 min 10 s
